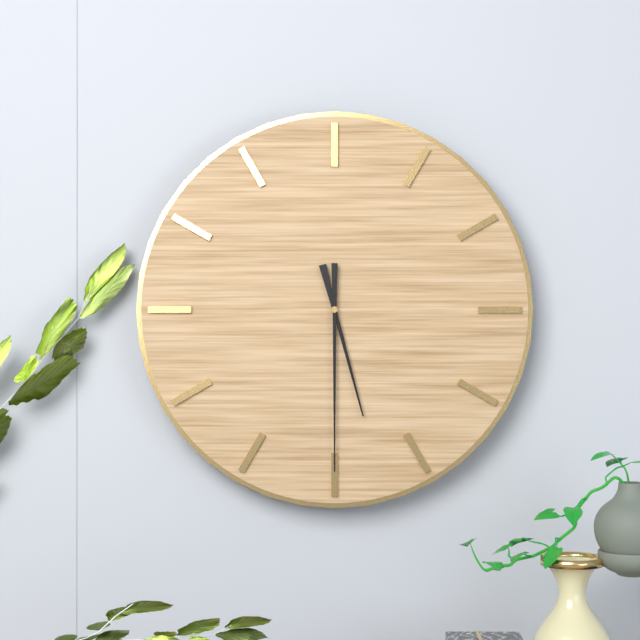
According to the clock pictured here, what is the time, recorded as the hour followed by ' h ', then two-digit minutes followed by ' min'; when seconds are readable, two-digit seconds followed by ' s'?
5 h 30 min
